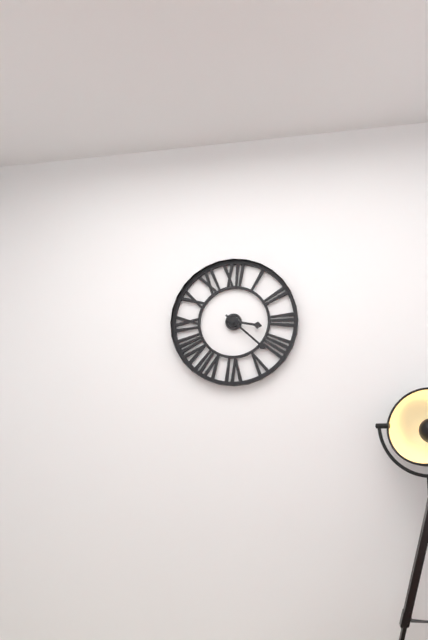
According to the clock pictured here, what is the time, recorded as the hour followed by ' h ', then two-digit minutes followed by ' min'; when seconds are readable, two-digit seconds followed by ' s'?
3 h 22 min
